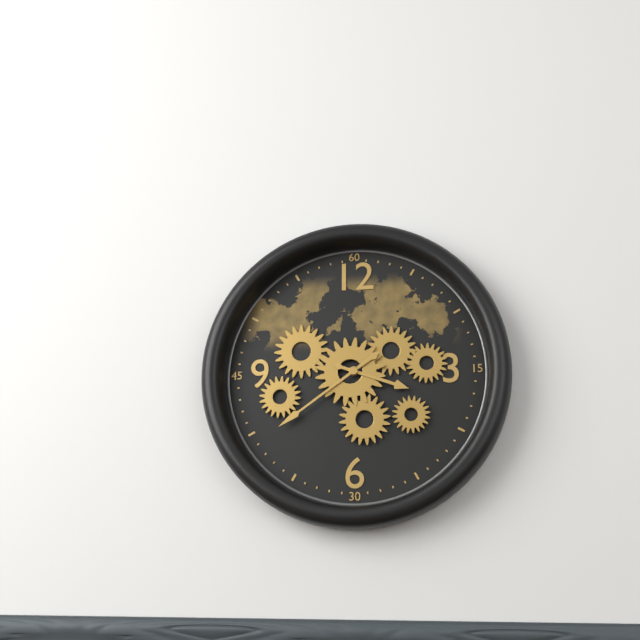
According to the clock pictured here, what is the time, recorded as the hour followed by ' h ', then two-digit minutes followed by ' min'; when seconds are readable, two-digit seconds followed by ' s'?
3 h 39 min
